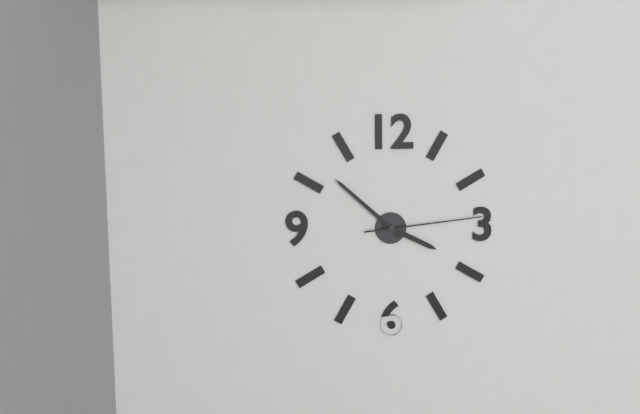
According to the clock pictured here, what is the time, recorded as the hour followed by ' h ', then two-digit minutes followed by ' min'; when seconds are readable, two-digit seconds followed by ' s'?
3 h 52 min 14 s
